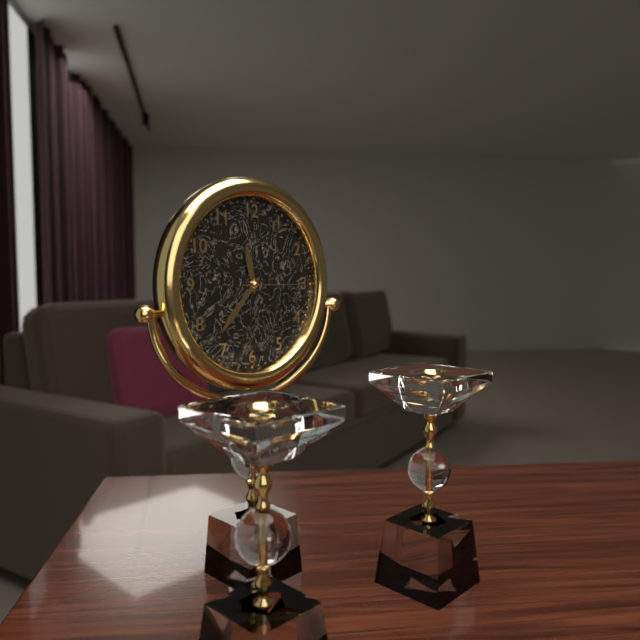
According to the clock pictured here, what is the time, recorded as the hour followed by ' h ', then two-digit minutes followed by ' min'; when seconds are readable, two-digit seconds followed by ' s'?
11 h 37 min 15 s
